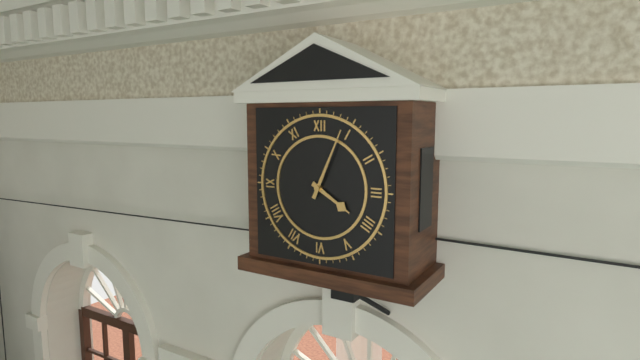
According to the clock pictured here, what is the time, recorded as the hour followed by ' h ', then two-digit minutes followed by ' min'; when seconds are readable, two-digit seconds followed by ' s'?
4 h 04 min
